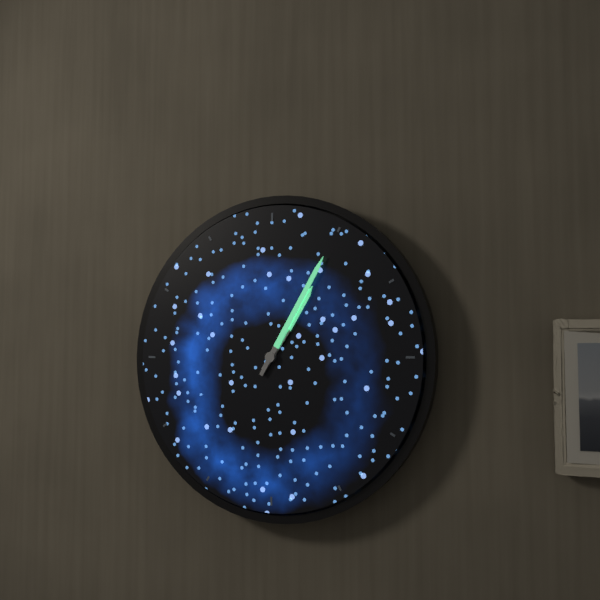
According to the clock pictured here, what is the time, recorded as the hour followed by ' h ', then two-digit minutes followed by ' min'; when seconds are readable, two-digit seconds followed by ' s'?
1 h 05 min
